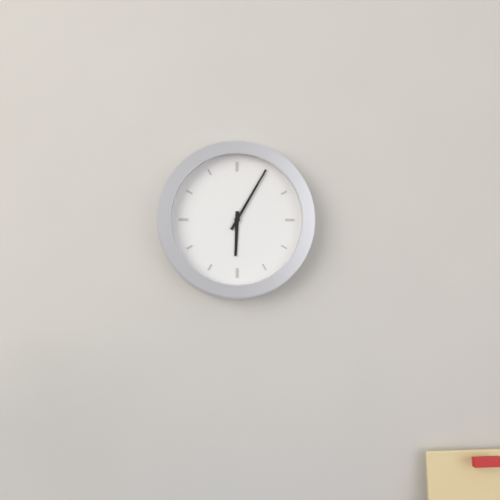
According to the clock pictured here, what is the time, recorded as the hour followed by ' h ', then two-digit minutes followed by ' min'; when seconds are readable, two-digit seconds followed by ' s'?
6 h 05 min
